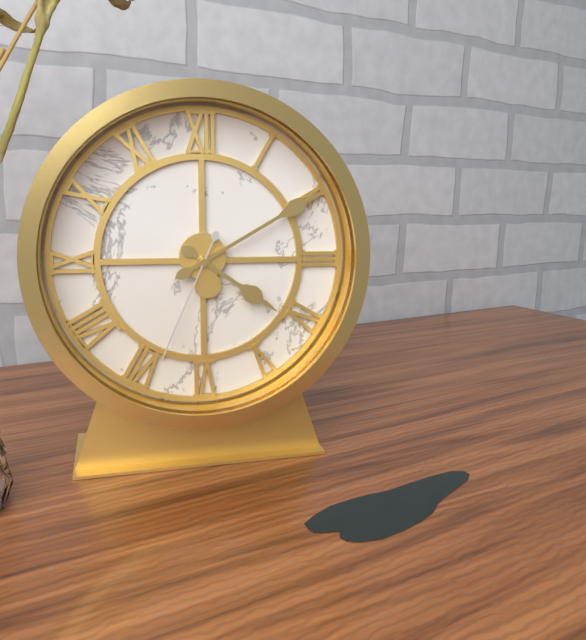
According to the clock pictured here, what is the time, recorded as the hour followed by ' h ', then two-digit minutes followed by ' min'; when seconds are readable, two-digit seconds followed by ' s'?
4 h 10 min 34 s
